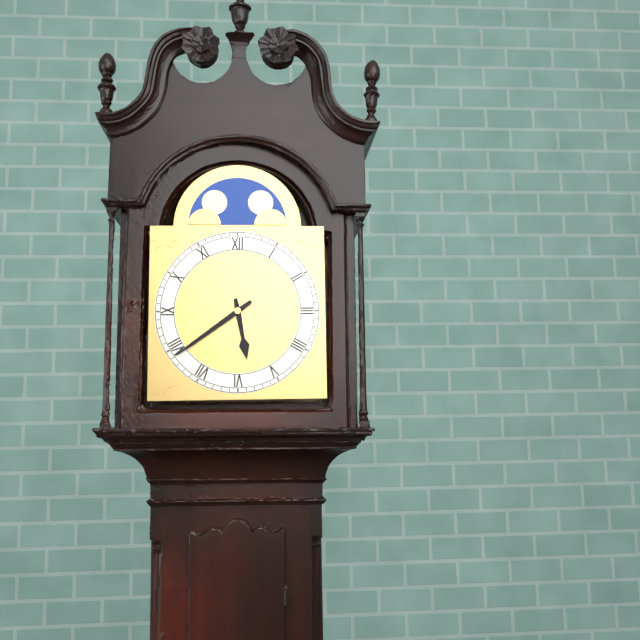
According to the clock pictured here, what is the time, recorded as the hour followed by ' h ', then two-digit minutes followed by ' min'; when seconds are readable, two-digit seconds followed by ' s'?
5 h 39 min
